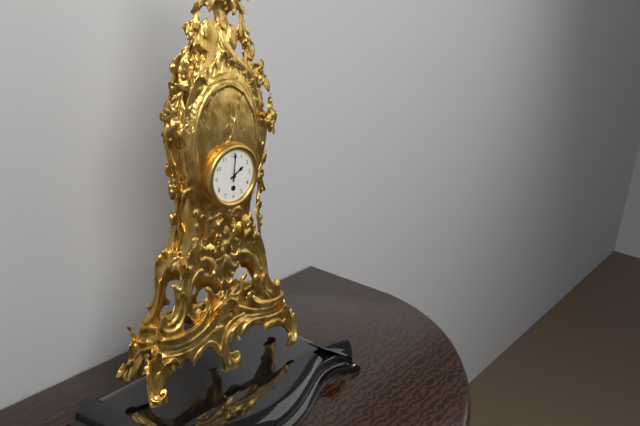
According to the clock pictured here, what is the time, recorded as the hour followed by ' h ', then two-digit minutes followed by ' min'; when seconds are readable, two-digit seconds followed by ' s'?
2 h 01 min
